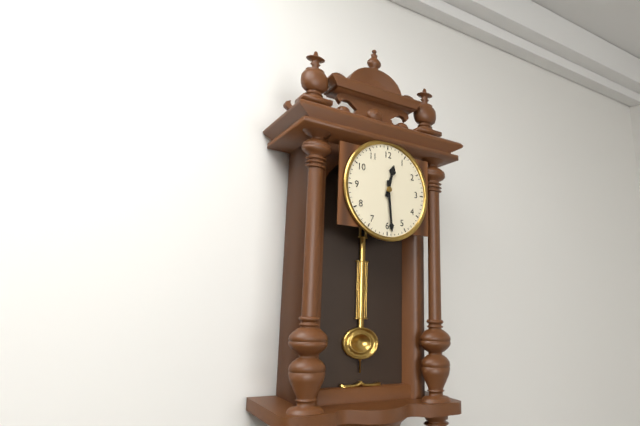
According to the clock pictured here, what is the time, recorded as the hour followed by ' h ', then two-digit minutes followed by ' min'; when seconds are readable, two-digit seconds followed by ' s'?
12 h 29 min
